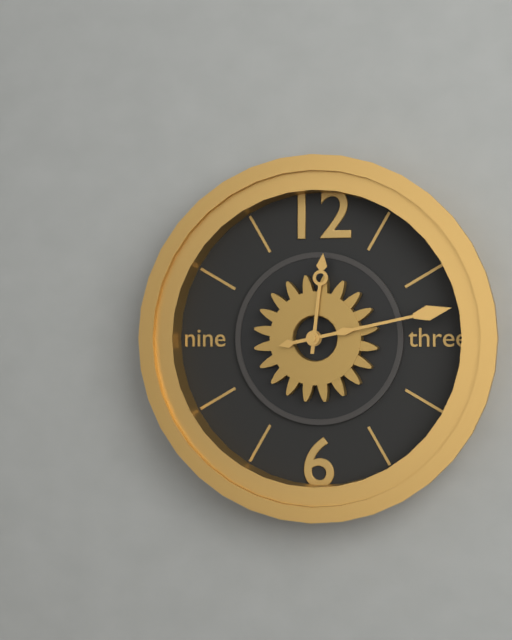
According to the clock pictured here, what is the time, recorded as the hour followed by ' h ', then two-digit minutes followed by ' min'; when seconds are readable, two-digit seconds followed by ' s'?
12 h 13 min
